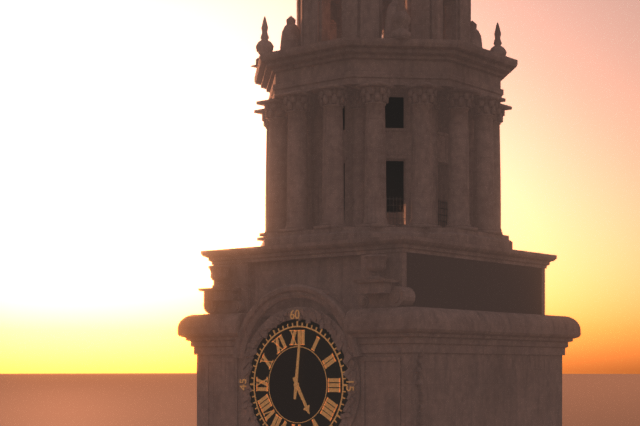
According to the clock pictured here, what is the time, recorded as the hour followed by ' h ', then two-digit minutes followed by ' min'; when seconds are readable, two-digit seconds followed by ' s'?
5 h 01 min
